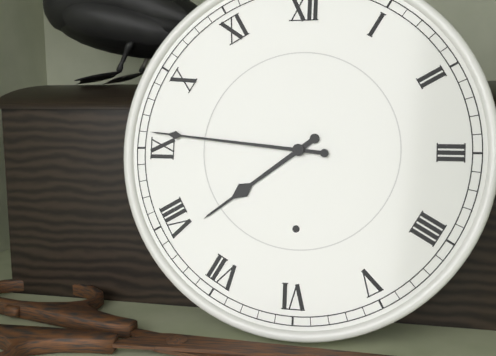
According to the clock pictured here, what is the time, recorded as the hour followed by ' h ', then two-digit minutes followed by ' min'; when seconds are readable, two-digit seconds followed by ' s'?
7 h 46 min
